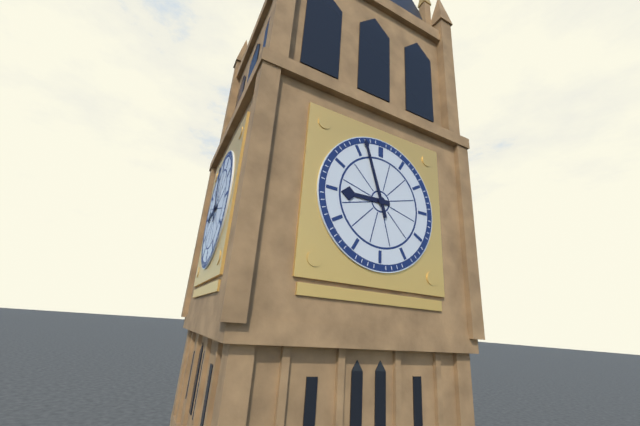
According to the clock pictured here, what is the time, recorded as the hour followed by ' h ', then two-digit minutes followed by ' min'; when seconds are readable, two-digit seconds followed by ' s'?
8 h 57 min
